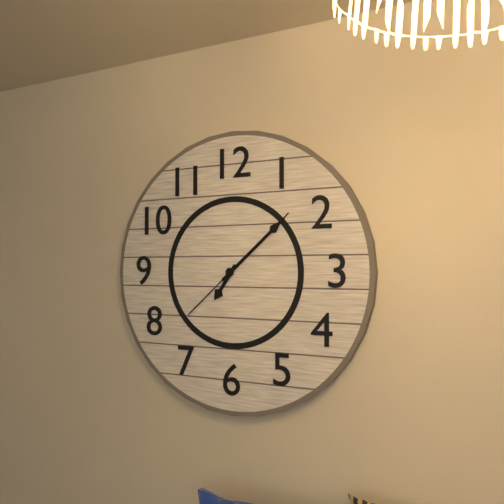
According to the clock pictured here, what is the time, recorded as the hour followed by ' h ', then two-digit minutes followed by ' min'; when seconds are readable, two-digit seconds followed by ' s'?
7 h 08 min 08 s
